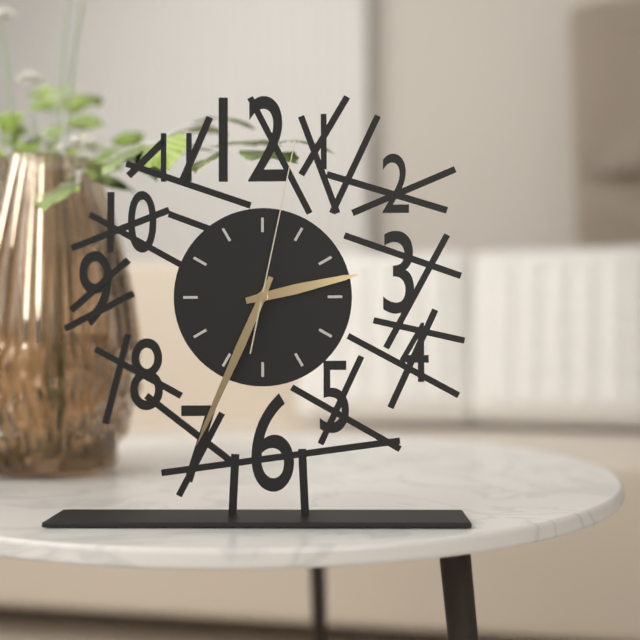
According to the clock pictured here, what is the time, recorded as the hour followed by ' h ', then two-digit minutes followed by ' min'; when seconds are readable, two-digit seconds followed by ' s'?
2 h 34 min 02 s
